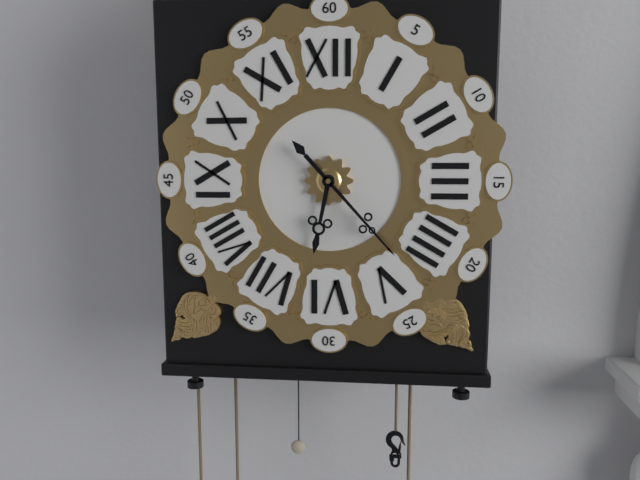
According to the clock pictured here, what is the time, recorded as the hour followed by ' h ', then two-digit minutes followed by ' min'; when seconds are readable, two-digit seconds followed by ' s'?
6 h 23 min
